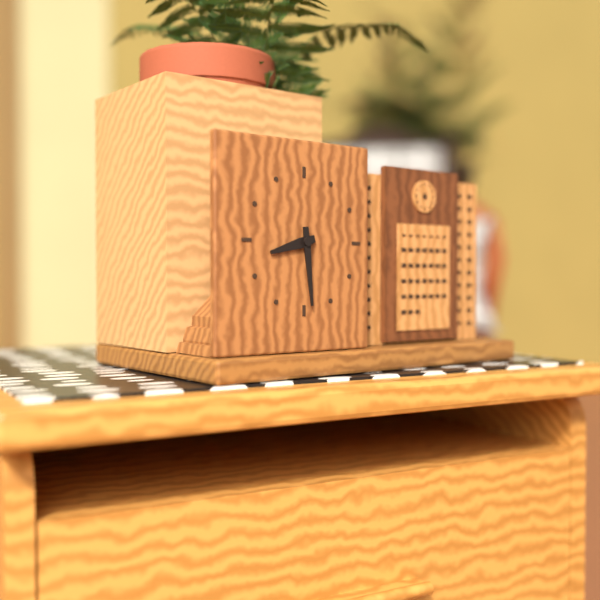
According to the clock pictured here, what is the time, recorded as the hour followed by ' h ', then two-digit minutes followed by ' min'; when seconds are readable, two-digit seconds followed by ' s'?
8 h 29 min
